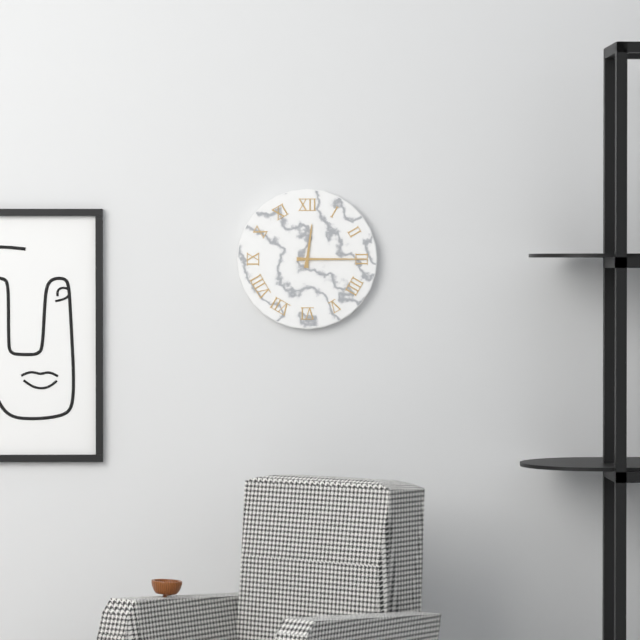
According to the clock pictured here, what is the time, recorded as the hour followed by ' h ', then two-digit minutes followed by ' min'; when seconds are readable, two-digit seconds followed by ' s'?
12 h 15 min
